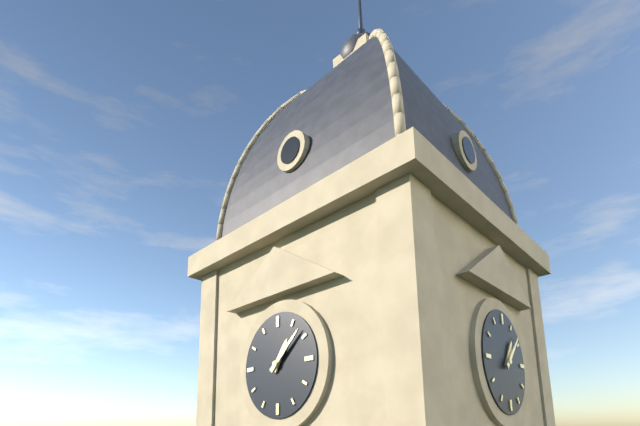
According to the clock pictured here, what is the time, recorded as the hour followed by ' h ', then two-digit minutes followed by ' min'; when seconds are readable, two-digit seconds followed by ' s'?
1 h 08 min
